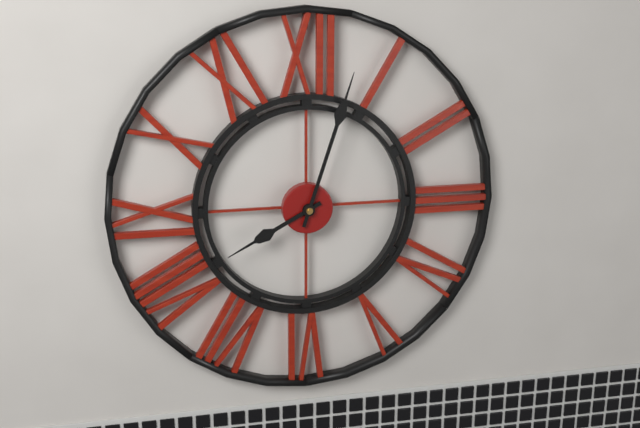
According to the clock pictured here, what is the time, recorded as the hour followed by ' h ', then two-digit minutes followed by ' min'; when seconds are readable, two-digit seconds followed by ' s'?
8 h 03 min
